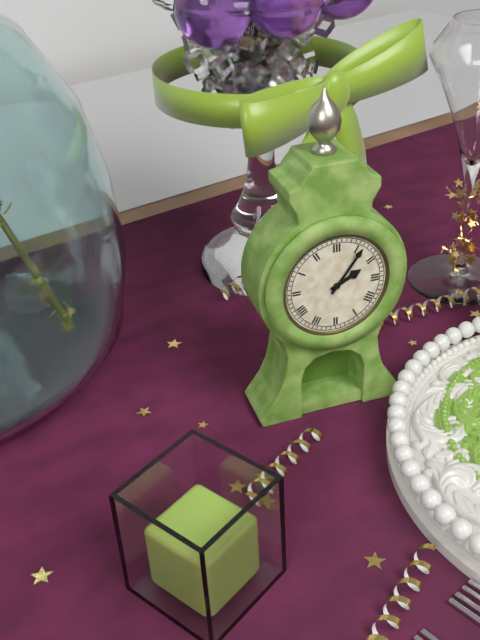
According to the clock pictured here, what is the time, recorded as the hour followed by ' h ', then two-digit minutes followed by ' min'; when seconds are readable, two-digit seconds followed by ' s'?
2 h 06 min
